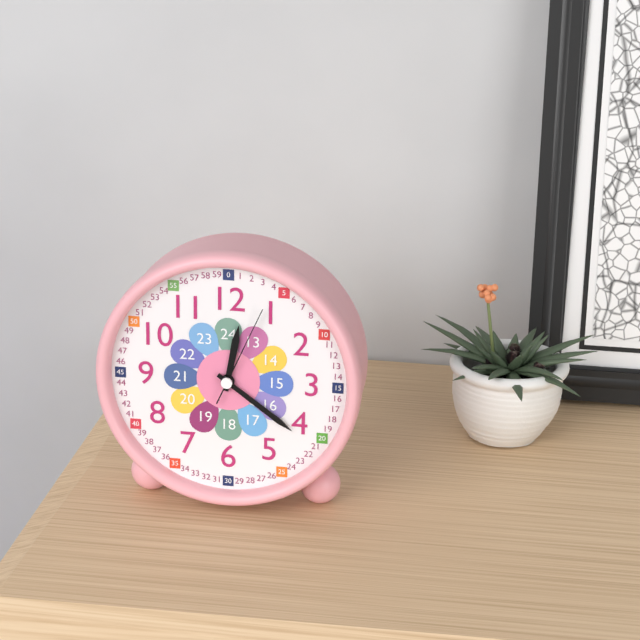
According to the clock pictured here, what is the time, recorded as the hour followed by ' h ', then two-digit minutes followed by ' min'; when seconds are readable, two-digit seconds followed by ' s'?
12 h 21 min 04 s
